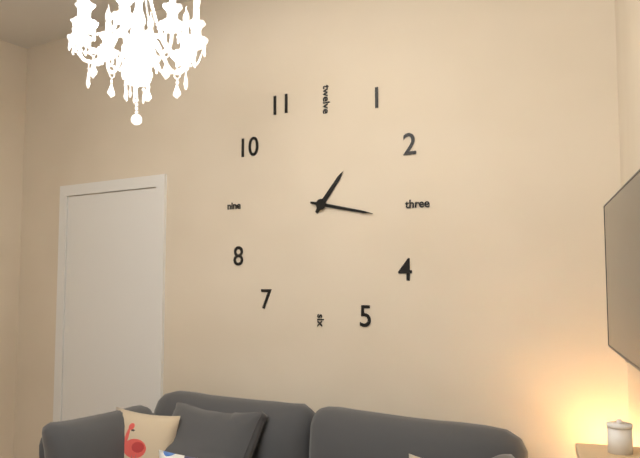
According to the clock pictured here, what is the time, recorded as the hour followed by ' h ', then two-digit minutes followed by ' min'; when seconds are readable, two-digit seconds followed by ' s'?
1 h 17 min
